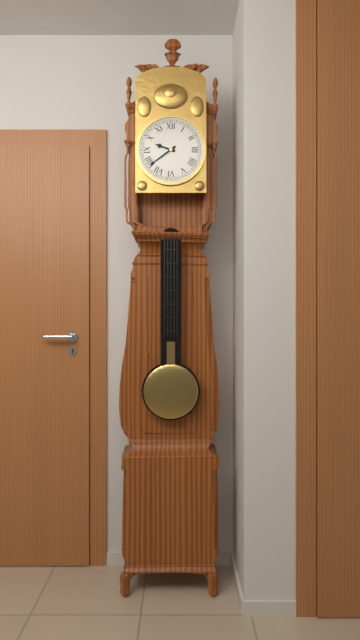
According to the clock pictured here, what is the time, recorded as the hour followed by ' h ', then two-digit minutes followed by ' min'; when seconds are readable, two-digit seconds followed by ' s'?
9 h 39 min
